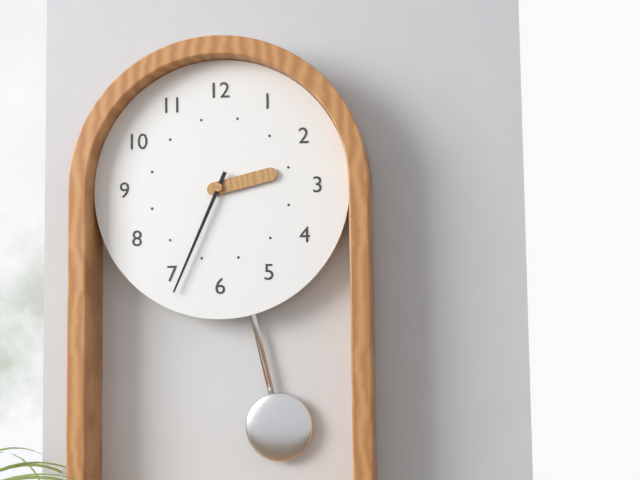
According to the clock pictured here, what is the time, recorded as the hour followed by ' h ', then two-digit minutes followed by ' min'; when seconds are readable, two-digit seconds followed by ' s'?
2 h 34 min
